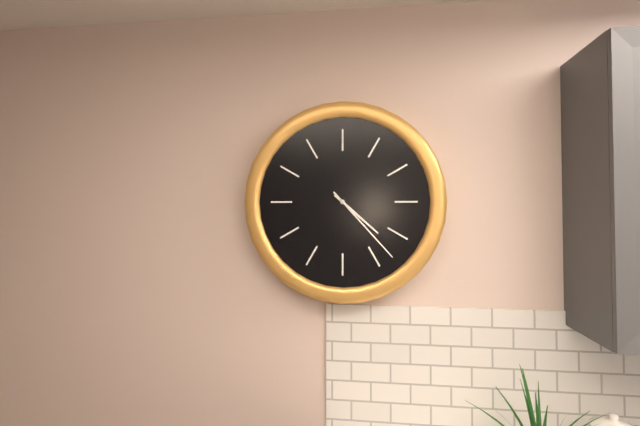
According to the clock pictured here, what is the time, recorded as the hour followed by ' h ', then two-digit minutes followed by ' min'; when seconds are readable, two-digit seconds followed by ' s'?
4 h 23 min
